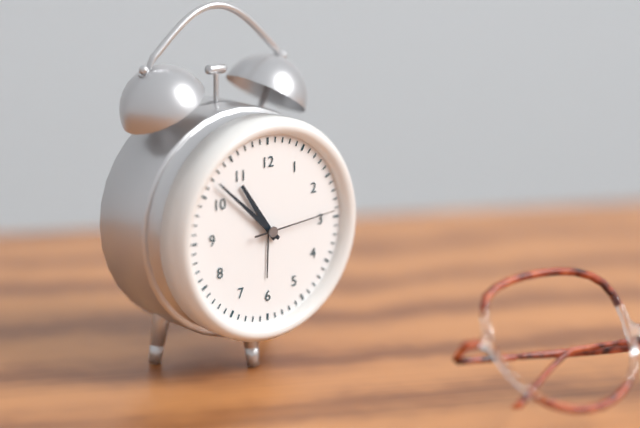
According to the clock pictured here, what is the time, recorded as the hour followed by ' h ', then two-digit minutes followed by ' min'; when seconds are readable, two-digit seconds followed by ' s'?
10 h 52 min 14 s
